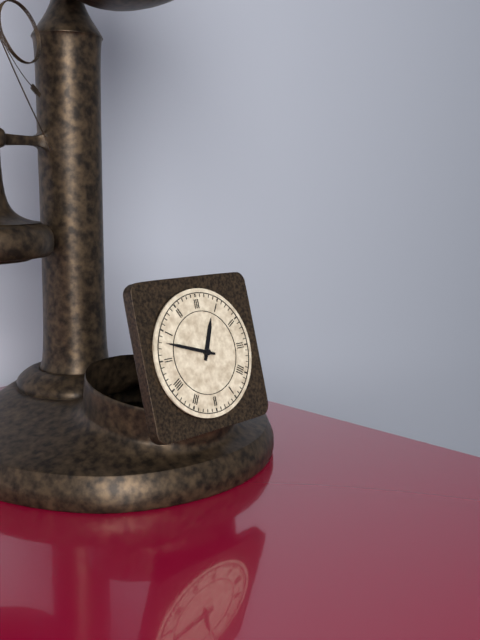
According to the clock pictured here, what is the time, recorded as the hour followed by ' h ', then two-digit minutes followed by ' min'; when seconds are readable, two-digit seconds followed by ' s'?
12 h 48 min
